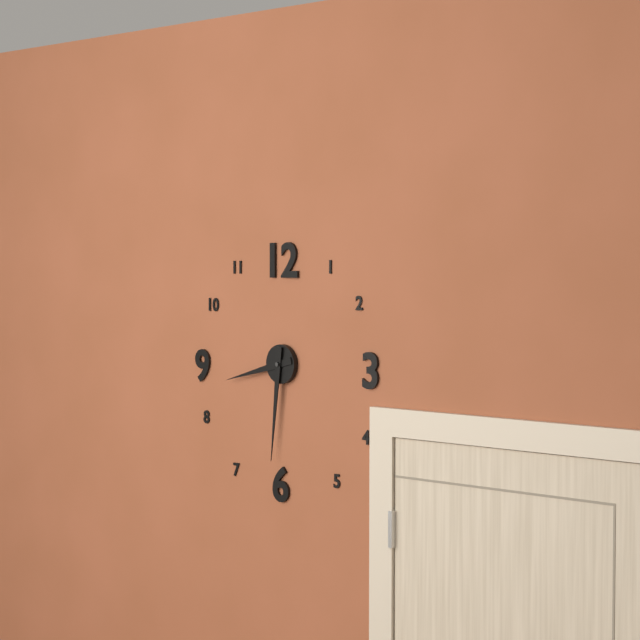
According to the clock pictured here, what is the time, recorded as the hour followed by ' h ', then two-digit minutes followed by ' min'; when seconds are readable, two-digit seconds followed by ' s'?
8 h 31 min
